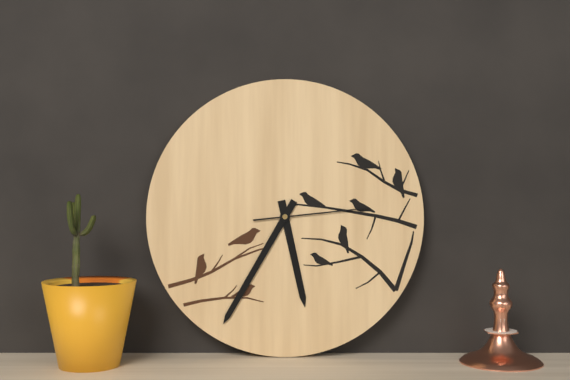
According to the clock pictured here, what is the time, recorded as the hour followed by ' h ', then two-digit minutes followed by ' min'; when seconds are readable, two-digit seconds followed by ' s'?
5 h 35 min 14 s
